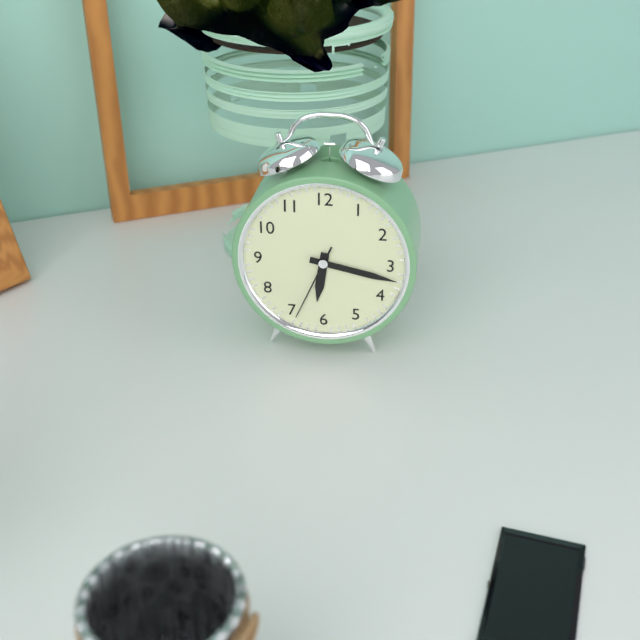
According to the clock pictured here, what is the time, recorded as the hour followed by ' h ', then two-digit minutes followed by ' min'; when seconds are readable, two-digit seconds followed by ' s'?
6 h 17 min 34 s
